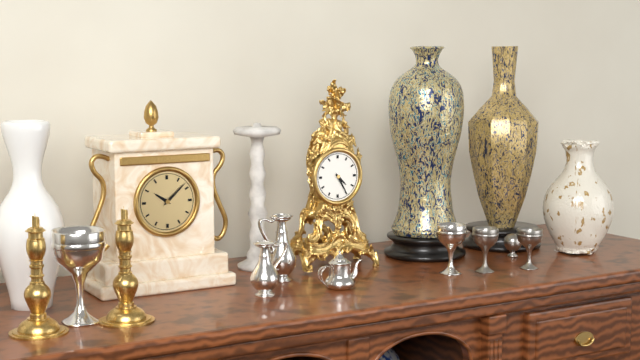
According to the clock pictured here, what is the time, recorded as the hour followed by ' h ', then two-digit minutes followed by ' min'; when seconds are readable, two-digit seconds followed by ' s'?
4 h 25 min
